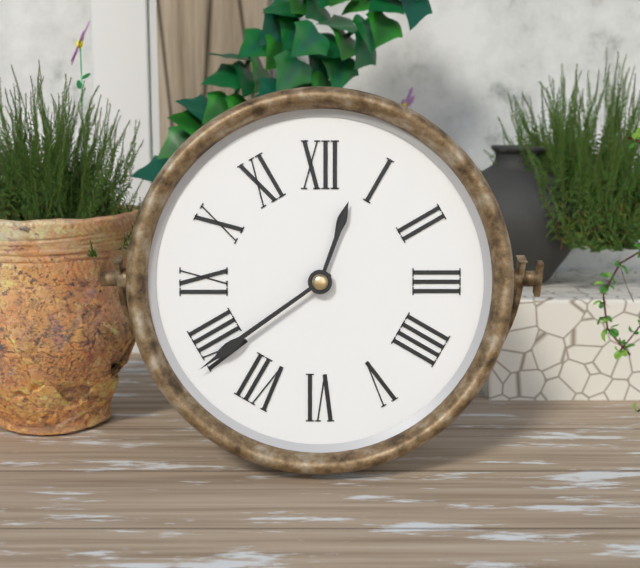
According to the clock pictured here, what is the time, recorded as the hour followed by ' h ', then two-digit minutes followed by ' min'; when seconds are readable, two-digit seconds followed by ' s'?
12 h 39 min
